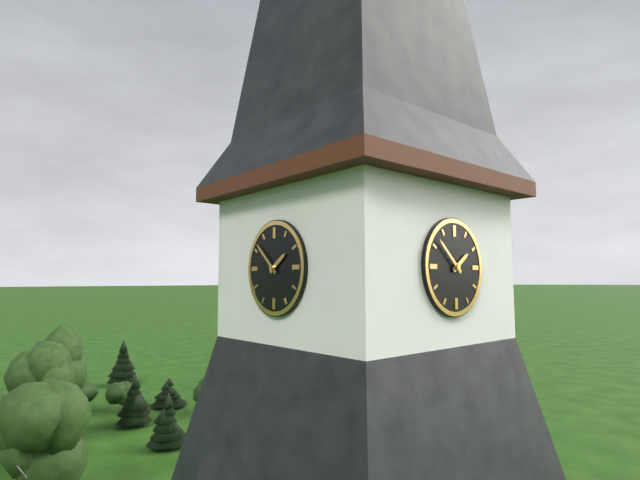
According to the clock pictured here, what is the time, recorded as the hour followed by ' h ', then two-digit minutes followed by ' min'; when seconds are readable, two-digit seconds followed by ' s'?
1 h 52 min
